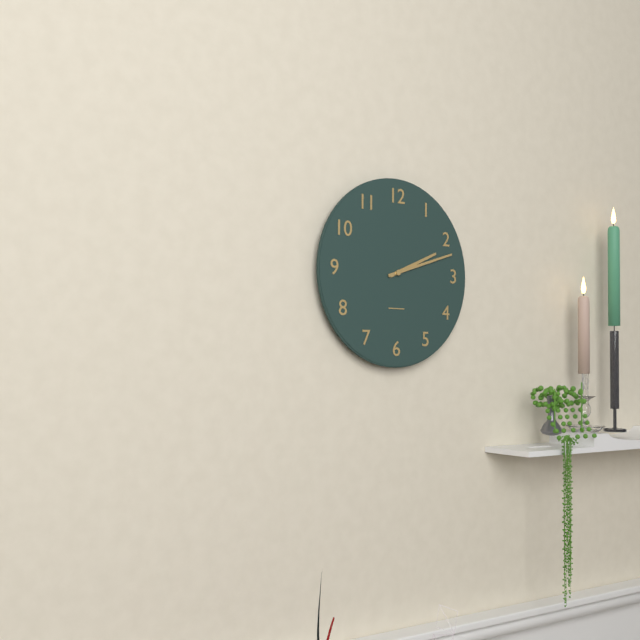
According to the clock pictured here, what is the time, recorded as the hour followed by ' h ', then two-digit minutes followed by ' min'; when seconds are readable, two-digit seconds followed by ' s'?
2 h 12 min
